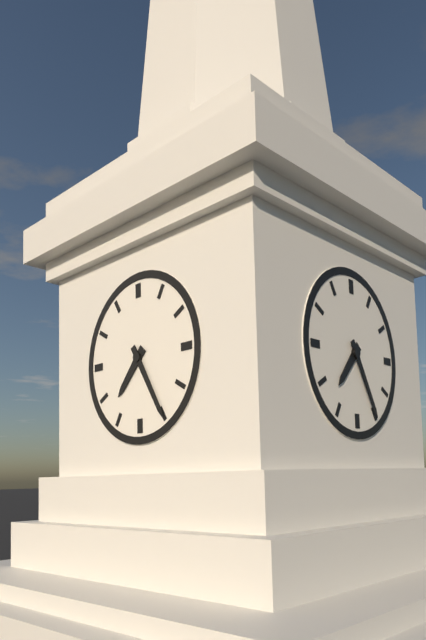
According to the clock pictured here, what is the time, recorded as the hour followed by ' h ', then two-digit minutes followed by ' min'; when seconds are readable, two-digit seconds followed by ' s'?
7 h 25 min
